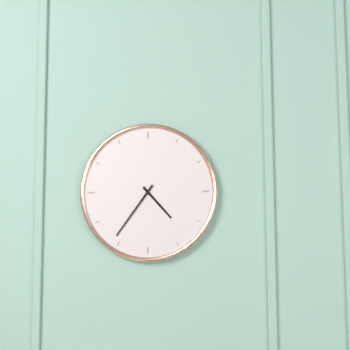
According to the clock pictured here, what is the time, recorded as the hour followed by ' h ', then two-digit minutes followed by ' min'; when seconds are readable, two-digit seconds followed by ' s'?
4 h 36 min
